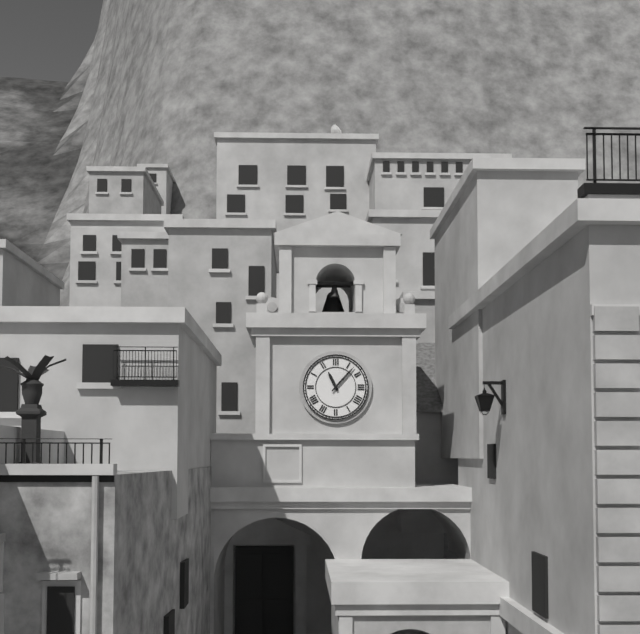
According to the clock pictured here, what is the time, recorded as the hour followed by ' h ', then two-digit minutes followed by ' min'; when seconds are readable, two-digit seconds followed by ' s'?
11 h 07 min
